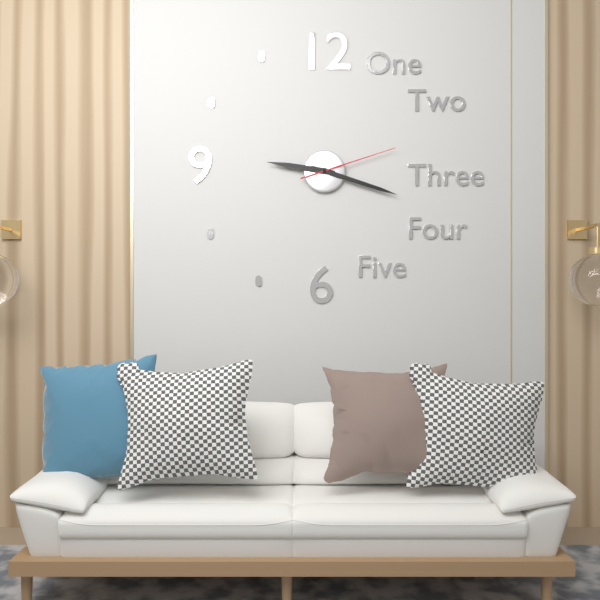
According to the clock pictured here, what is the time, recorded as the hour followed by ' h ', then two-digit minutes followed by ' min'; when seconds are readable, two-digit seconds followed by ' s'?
9 h 18 min 12 s
